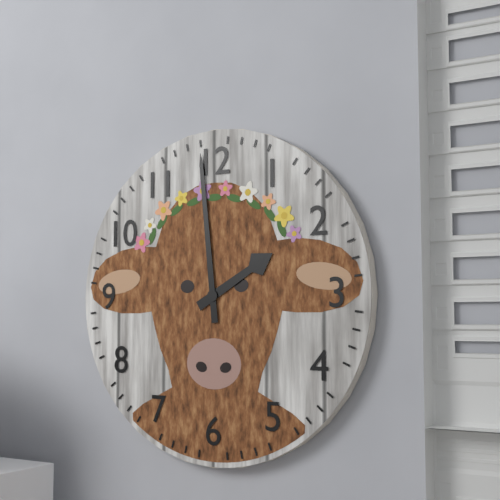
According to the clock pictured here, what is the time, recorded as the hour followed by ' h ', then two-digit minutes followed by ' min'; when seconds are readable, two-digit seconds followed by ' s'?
1 h 59 min
